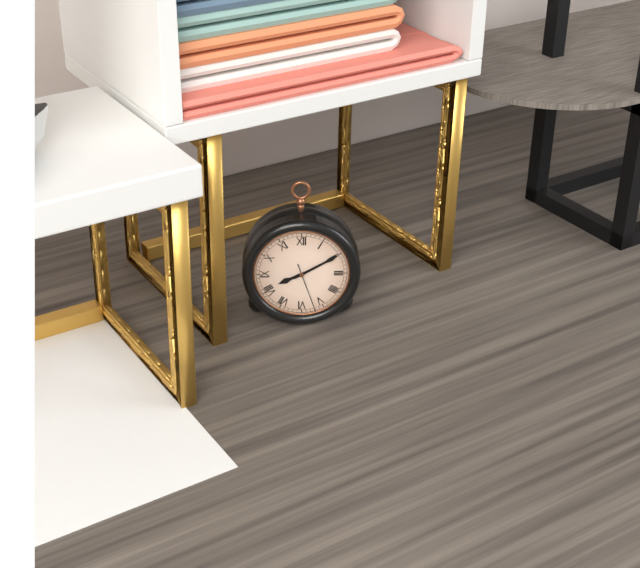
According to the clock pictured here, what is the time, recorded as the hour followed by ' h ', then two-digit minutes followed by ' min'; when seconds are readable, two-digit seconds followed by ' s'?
8 h 10 min
